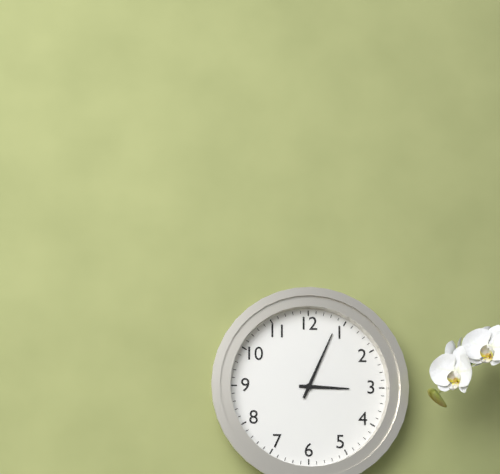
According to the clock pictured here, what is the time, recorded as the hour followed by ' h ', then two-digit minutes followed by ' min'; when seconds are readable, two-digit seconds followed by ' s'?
3 h 04 min
